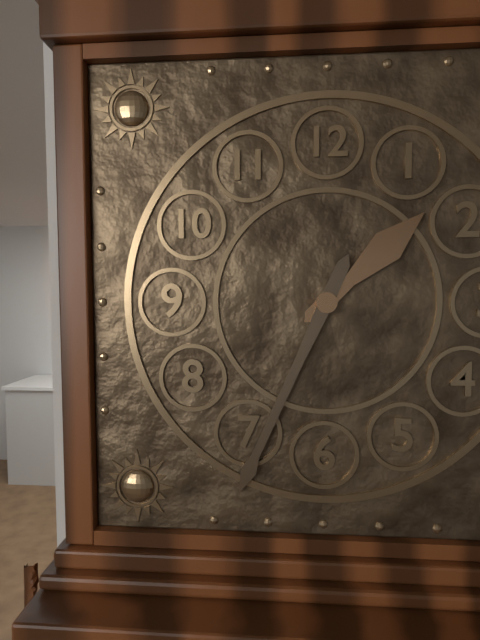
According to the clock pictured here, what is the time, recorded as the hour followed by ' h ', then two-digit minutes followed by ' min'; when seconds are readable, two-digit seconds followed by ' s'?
1 h 34 min
